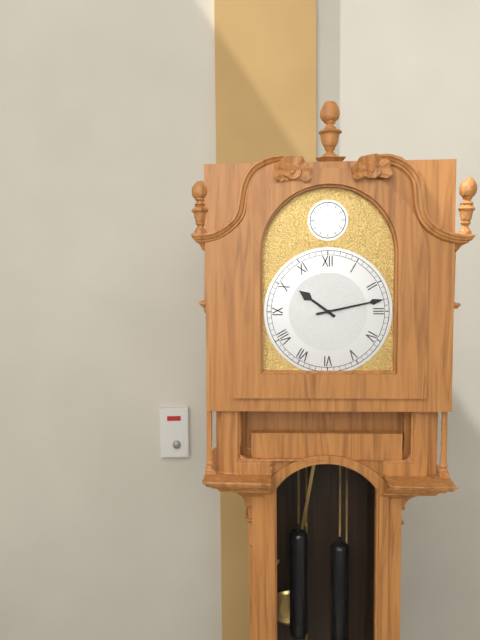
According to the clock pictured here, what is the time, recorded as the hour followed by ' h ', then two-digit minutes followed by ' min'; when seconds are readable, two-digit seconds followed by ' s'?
10 h 13 min
